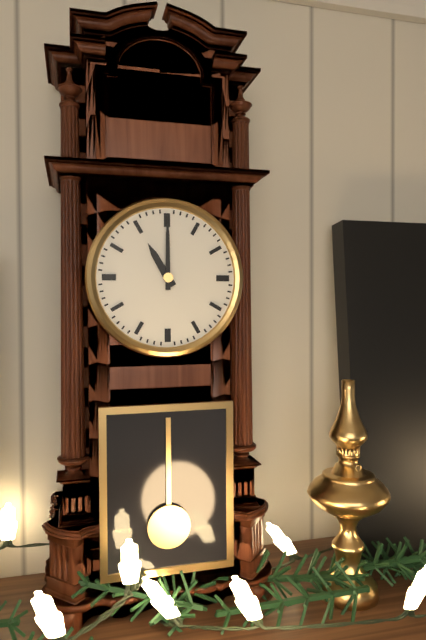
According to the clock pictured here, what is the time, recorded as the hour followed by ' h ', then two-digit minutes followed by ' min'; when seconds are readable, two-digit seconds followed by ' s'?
11 h 00 min
